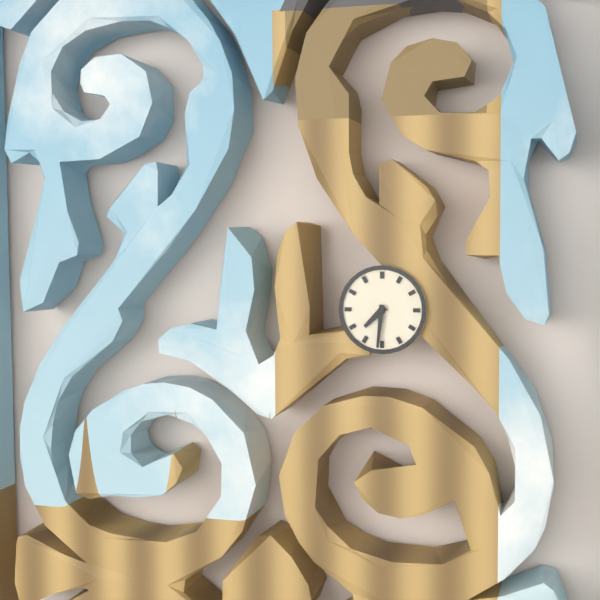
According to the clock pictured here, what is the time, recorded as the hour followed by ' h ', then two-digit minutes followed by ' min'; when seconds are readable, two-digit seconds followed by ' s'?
7 h 31 min
